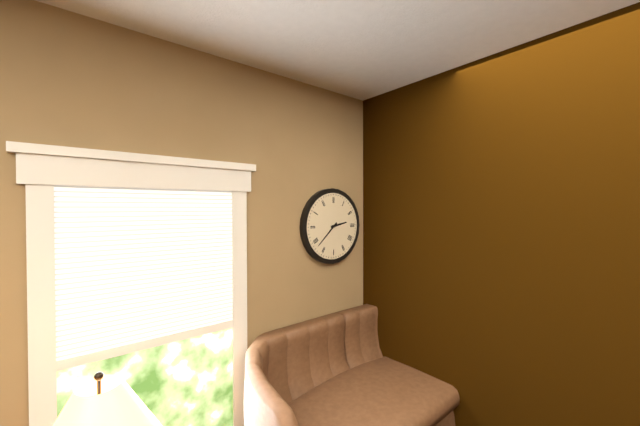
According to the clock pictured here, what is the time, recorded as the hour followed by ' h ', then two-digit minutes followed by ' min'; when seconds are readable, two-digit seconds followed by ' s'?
2 h 38 min
